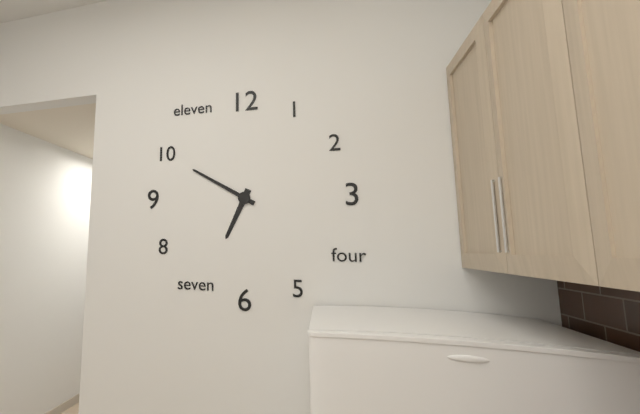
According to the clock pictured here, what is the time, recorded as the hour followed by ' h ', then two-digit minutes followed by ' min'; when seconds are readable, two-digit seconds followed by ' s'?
6 h 50 min
